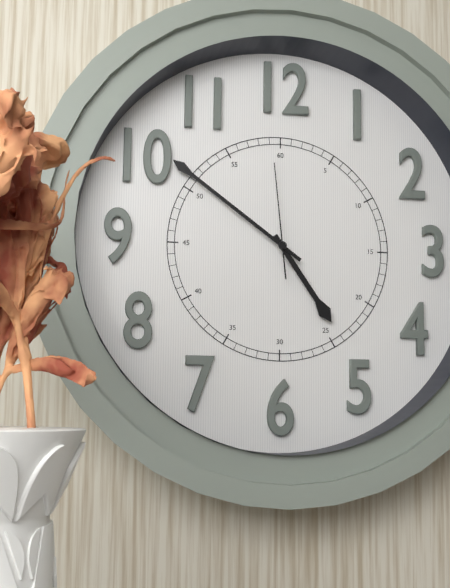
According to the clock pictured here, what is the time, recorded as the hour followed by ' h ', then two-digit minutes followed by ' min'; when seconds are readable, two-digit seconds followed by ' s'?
4 h 51 min 59 s
